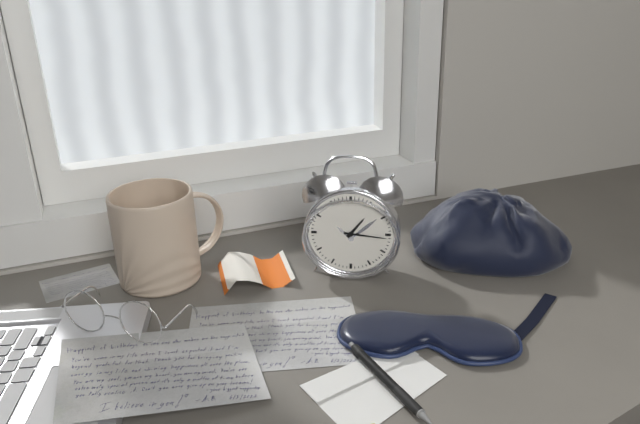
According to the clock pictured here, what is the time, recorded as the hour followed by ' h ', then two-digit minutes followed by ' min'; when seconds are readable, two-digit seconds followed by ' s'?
1 h 16 min
